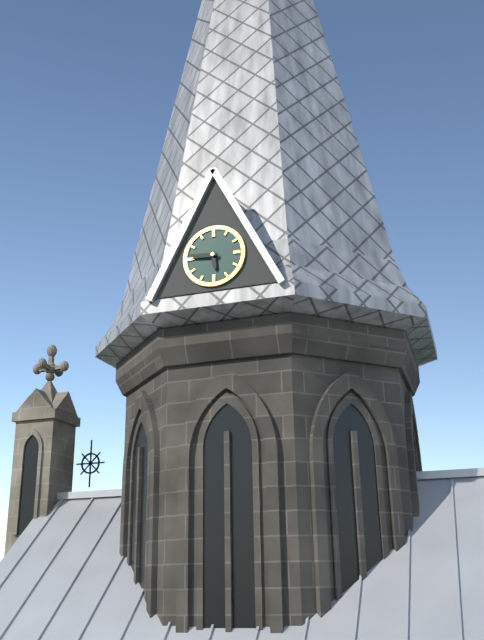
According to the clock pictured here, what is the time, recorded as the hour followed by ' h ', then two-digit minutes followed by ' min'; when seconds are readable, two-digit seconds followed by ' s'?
5 h 46 min
